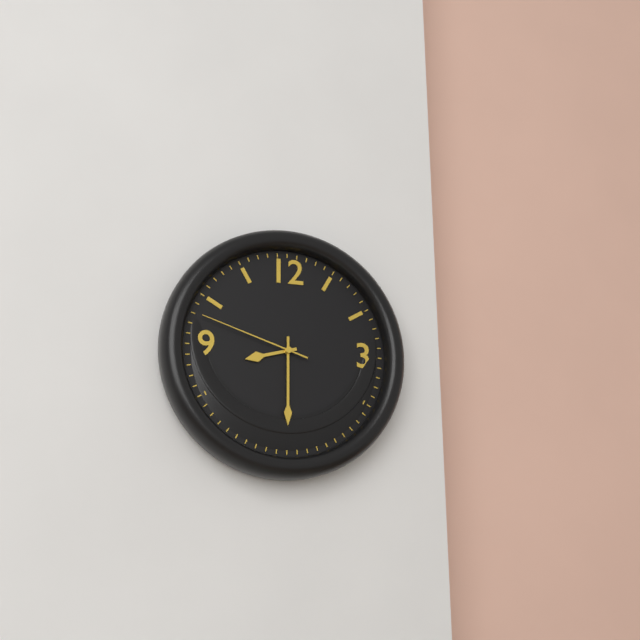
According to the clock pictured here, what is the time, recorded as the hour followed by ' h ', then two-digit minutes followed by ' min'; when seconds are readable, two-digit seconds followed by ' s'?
8 h 30 min 48 s
